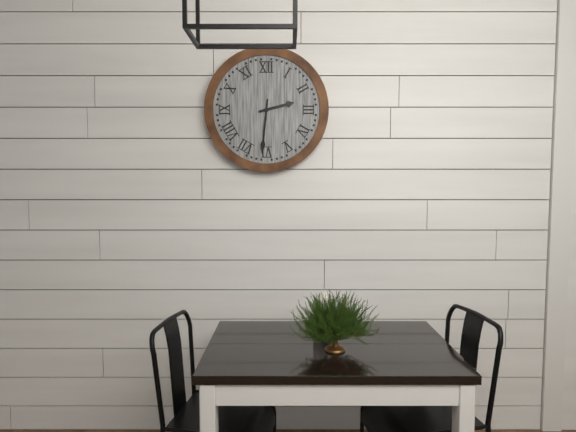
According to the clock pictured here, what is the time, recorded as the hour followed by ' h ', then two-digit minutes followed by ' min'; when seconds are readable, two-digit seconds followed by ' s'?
2 h 31 min
